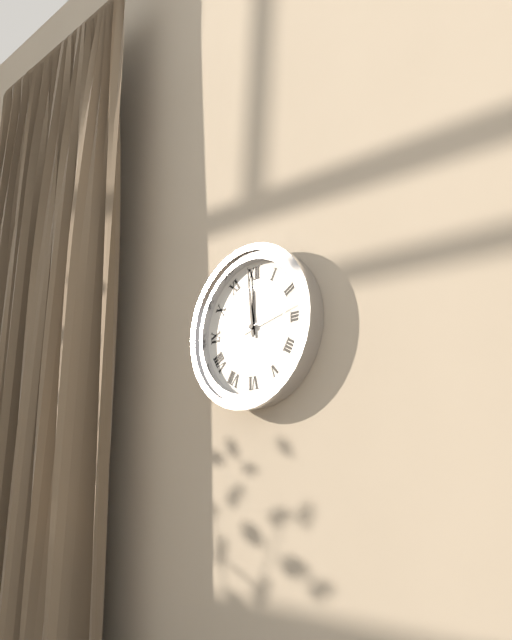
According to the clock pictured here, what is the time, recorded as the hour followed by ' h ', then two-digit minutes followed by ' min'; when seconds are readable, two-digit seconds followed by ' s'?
11 h 59 min 13 s
